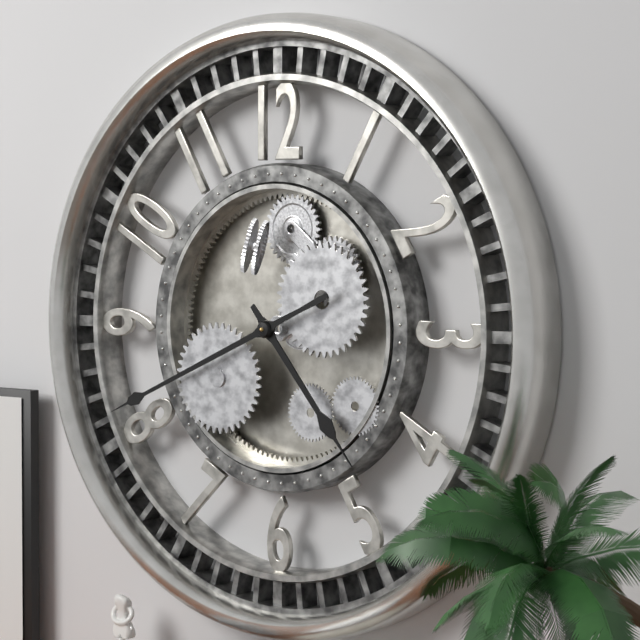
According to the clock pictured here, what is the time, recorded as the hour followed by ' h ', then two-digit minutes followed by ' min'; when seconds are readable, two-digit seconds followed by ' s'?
4 h 41 min
